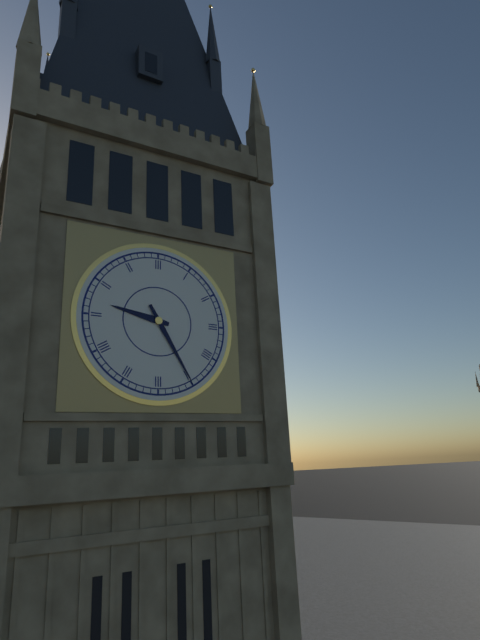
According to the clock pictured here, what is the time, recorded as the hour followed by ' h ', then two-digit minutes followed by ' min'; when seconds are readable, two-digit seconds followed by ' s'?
9 h 25 min
